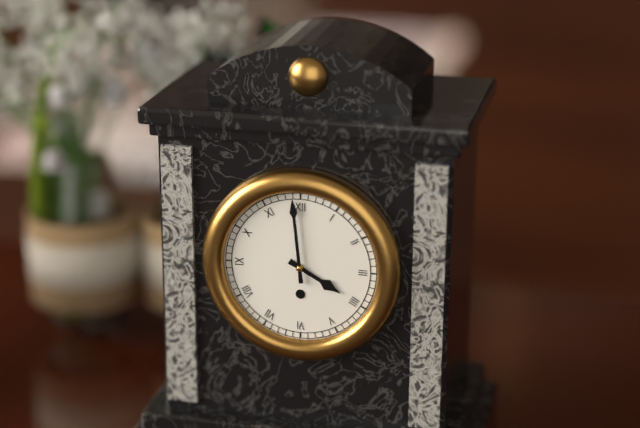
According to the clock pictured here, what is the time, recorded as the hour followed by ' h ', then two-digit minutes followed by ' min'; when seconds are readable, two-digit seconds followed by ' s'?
3 h 59 min
